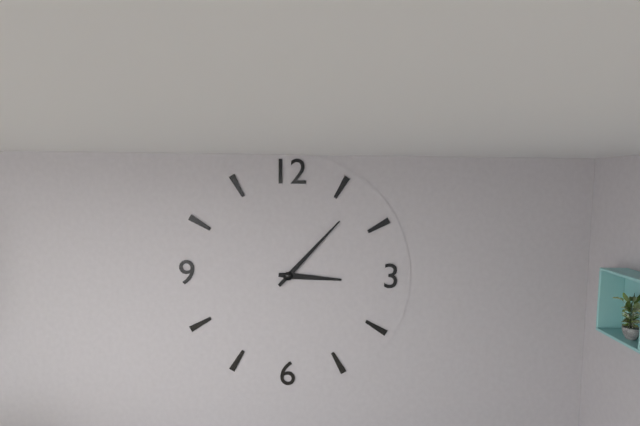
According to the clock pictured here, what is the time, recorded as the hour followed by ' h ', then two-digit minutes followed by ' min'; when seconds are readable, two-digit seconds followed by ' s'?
3 h 07 min
